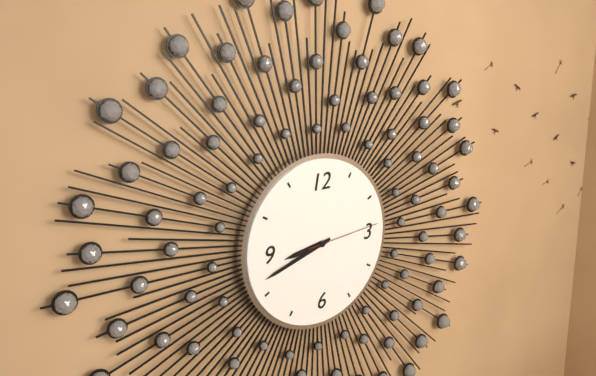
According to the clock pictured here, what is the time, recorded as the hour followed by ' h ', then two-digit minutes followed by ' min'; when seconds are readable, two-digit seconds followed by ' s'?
8 h 42 min 14 s
